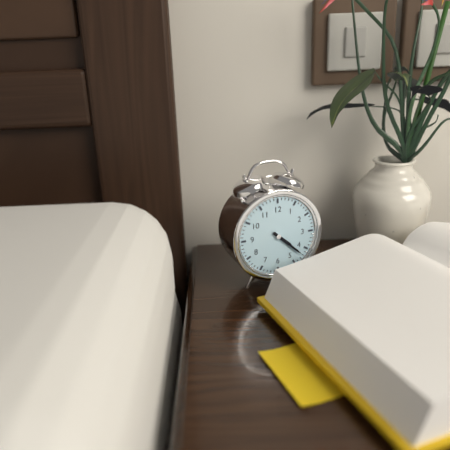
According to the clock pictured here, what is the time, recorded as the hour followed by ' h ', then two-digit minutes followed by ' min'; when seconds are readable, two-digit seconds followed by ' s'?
4 h 22 min
